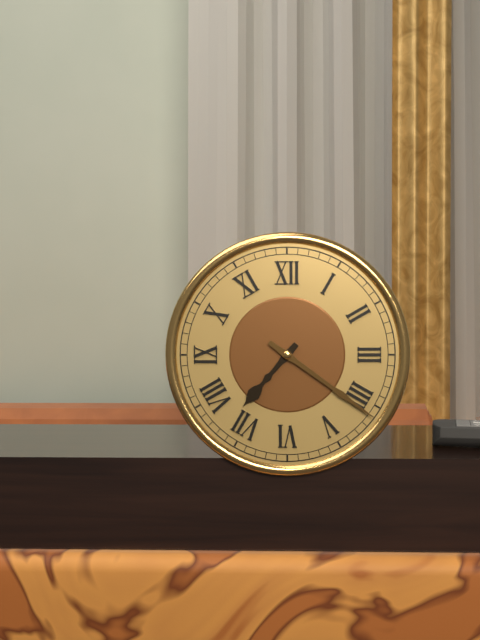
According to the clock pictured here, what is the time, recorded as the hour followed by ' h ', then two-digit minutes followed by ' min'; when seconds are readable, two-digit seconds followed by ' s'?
7 h 21 min
